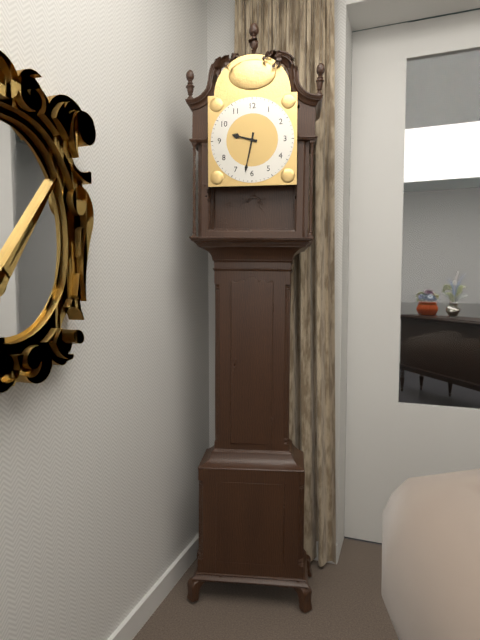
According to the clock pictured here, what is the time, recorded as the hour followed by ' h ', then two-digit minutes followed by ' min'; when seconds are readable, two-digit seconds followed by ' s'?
9 h 32 min
